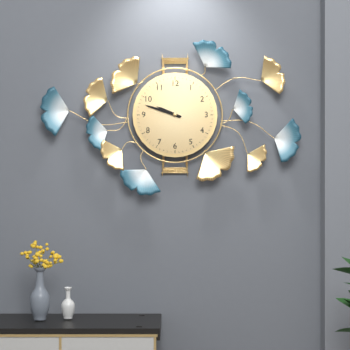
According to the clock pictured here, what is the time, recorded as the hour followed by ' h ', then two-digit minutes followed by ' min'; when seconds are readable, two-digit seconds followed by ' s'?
9 h 48 min
